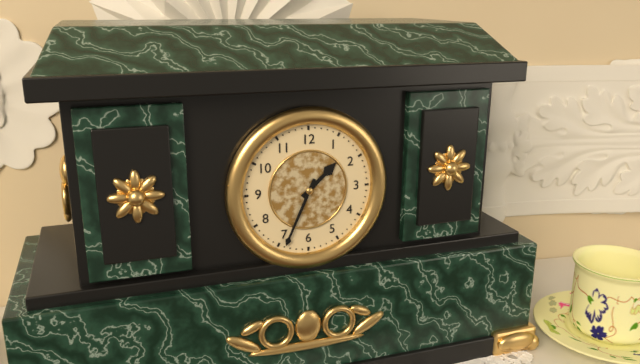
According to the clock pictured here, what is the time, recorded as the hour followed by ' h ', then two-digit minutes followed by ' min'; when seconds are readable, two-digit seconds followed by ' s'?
1 h 34 min
